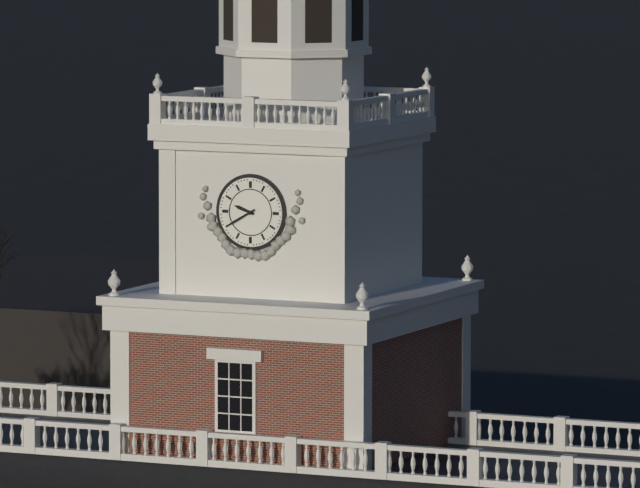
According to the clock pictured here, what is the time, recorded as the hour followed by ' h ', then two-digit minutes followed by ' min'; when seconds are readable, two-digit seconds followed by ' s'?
9 h 40 min
